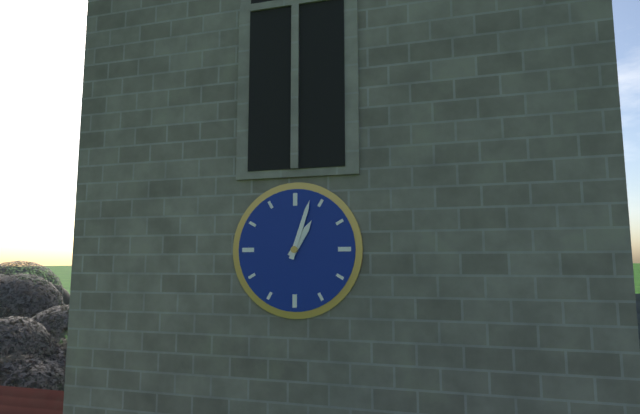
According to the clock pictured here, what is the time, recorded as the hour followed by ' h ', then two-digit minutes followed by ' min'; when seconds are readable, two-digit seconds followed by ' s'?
1 h 03 min
